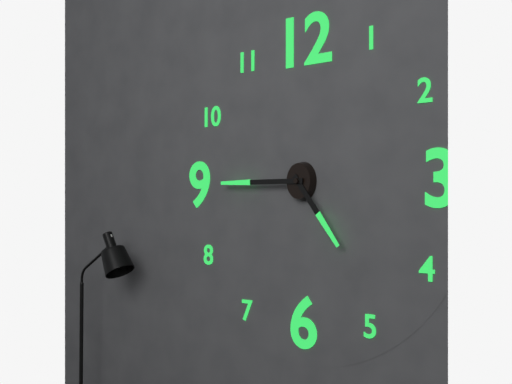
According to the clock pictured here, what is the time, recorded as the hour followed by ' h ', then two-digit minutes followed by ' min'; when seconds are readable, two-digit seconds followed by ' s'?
4 h 45 min
